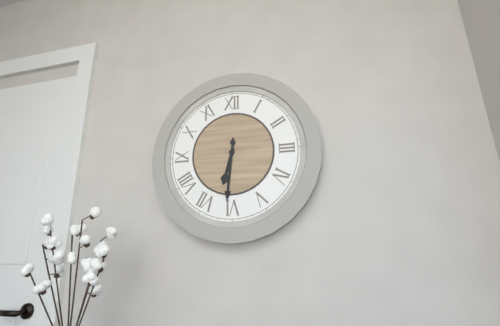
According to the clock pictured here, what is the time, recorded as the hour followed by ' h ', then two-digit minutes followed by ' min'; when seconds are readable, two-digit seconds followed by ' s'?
6 h 31 min
